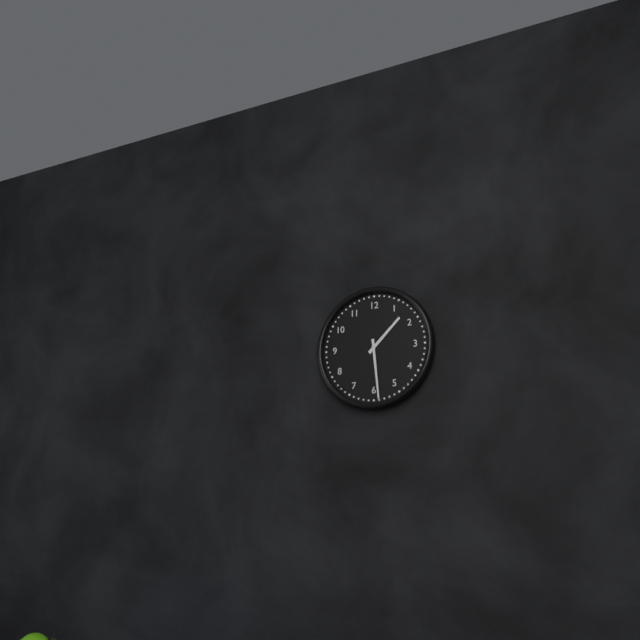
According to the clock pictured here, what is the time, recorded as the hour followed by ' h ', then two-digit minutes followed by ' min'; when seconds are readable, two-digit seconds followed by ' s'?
1 h 29 min
